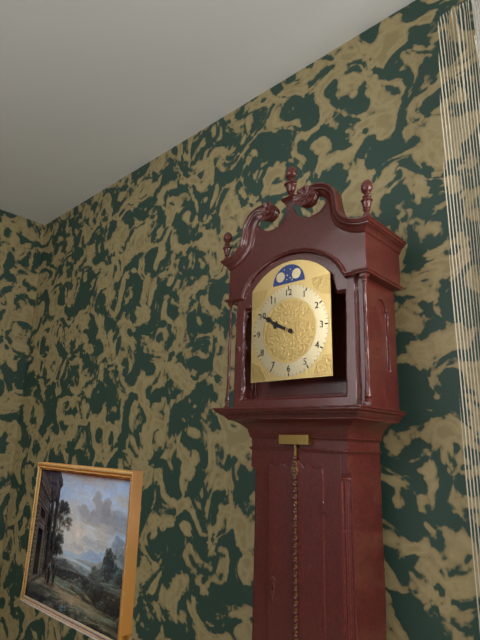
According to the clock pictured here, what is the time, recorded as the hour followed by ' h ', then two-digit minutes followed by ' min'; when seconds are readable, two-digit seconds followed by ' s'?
9 h 50 min
